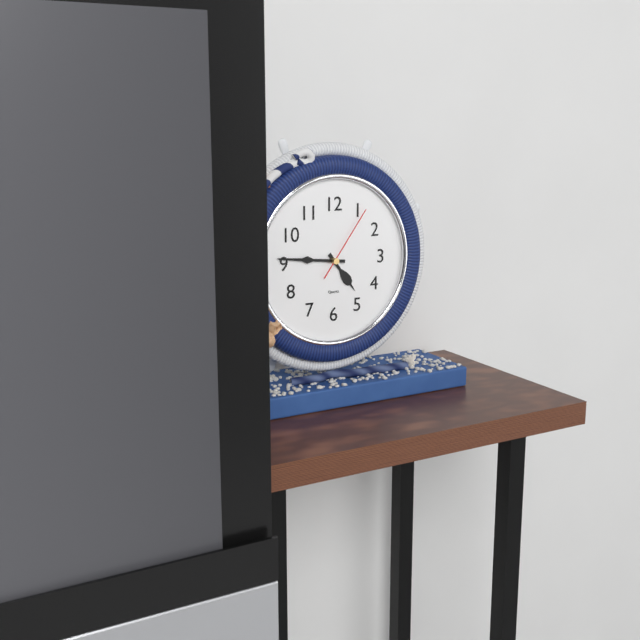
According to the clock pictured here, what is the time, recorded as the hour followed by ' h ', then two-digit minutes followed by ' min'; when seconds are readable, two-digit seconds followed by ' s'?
4 h 46 min 06 s
